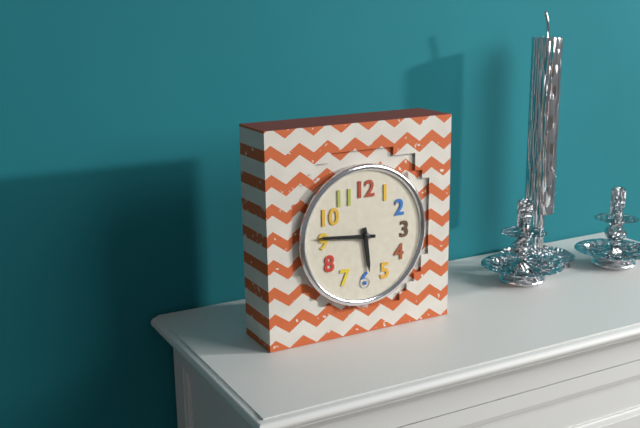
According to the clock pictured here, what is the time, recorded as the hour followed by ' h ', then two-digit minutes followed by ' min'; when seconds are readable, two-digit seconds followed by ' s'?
5 h 46 min
